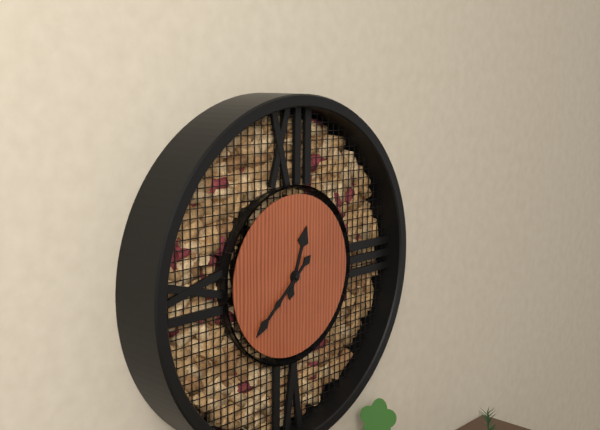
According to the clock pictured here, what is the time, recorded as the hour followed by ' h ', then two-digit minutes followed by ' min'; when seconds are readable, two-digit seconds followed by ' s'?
12 h 38 min
